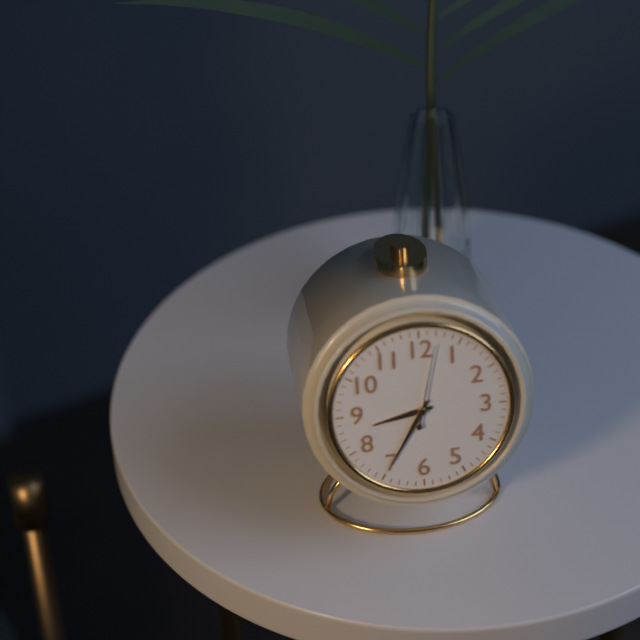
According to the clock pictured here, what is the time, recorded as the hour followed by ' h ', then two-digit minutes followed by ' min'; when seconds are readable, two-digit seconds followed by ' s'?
8 h 35 min
